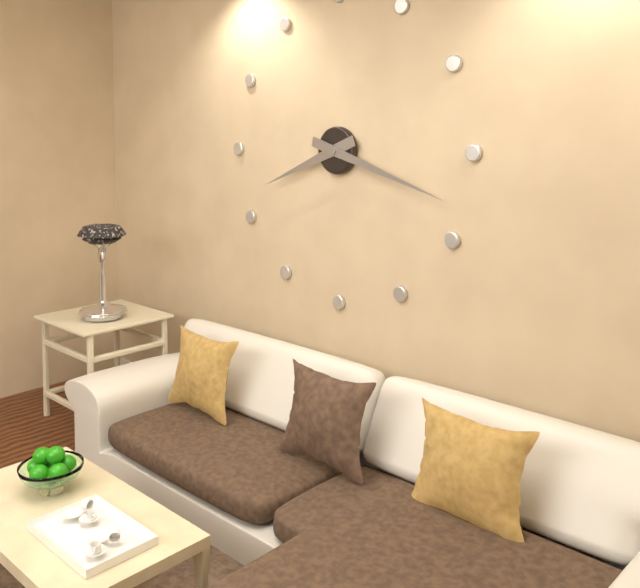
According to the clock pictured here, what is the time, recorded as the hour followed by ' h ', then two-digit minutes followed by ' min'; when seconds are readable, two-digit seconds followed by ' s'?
8 h 18 min
